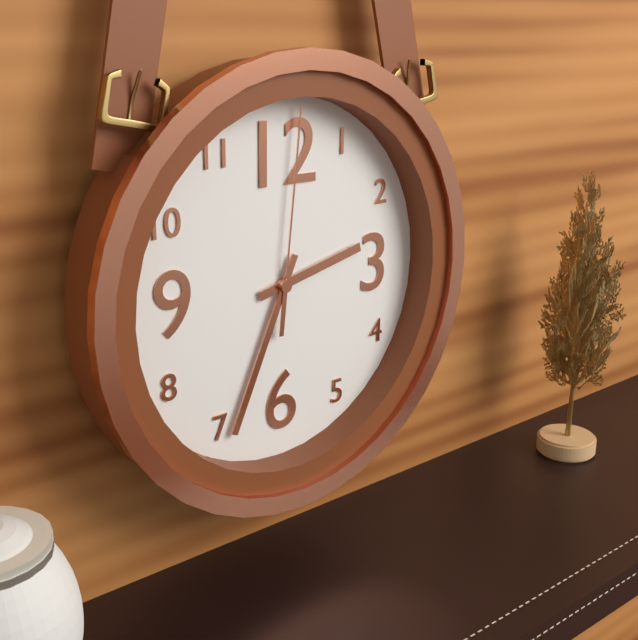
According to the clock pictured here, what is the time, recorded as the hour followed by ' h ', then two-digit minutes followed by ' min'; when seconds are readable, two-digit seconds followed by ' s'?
2 h 34 min 01 s
